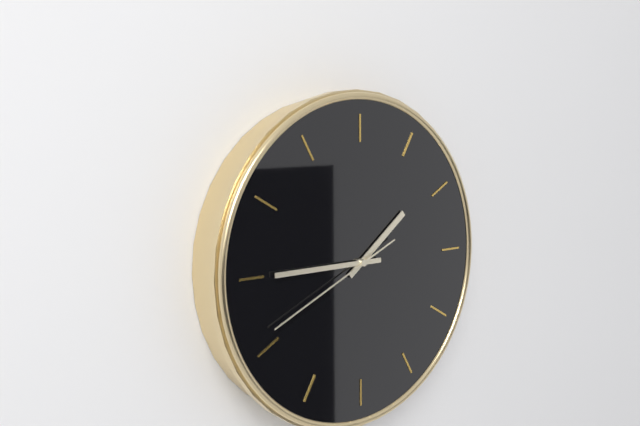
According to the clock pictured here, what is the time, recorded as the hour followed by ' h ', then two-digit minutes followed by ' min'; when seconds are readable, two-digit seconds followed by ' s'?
1 h 45 min 41 s
